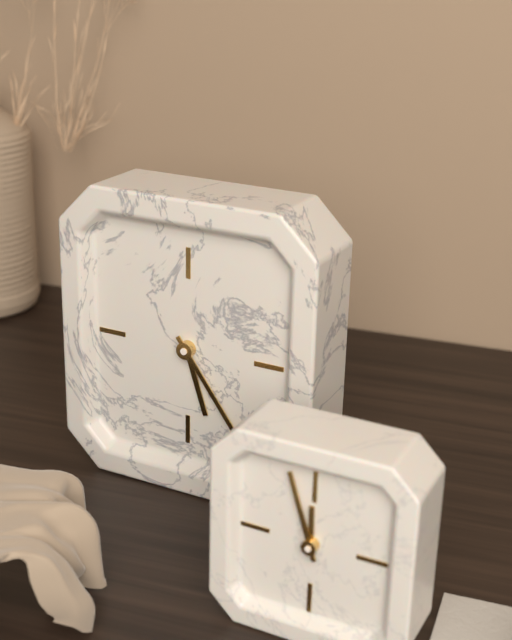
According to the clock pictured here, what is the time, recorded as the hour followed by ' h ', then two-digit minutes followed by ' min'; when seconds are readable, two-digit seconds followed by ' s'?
5 h 24 min
